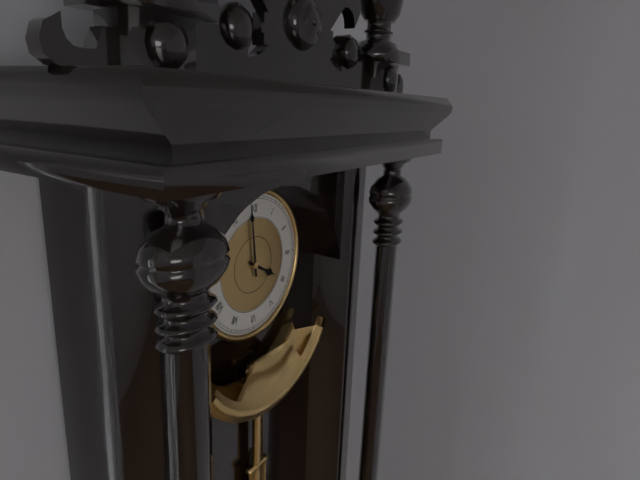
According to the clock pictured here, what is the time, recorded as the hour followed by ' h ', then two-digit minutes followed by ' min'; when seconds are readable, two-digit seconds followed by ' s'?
3 h 59 min
